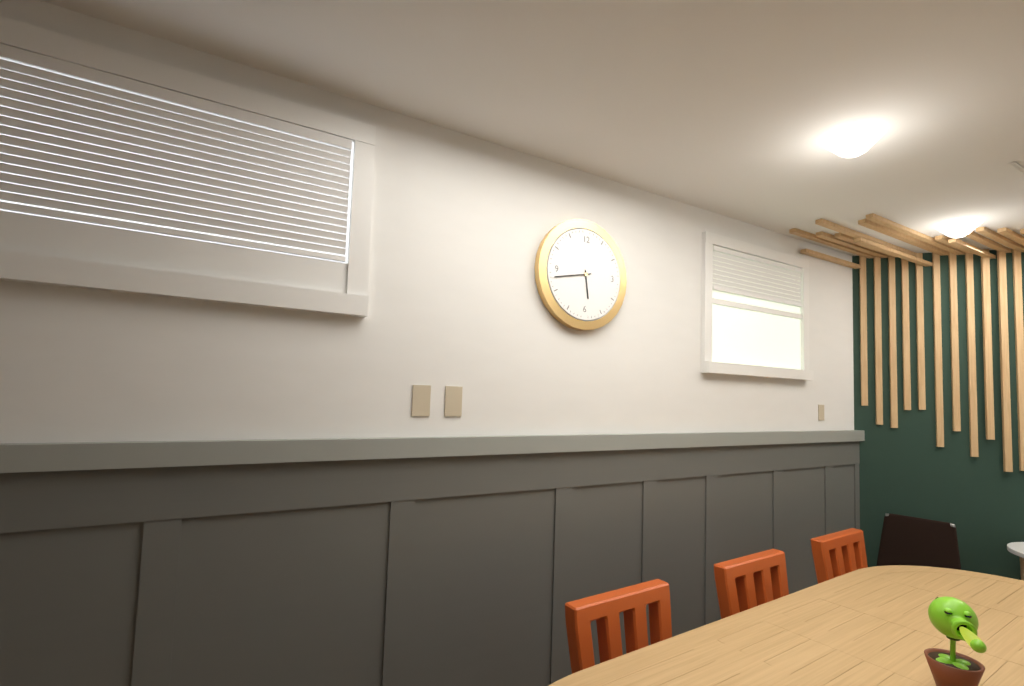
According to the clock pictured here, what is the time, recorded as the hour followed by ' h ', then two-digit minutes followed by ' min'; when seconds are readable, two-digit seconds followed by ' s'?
5 h 43 min
